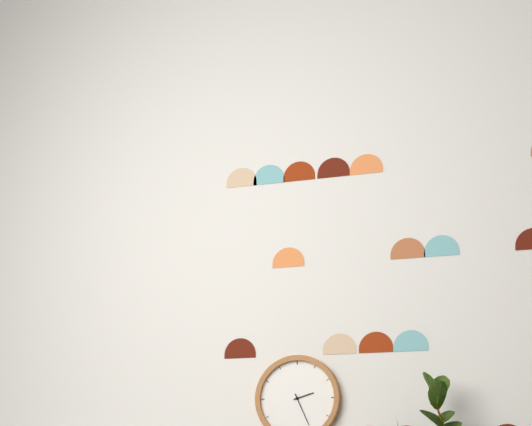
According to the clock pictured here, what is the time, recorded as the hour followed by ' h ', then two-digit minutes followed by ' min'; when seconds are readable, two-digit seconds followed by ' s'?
2 h 26 min
